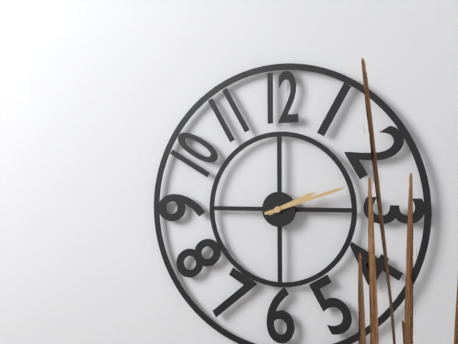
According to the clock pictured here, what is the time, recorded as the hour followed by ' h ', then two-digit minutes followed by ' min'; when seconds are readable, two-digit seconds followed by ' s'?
2 h 12 min
